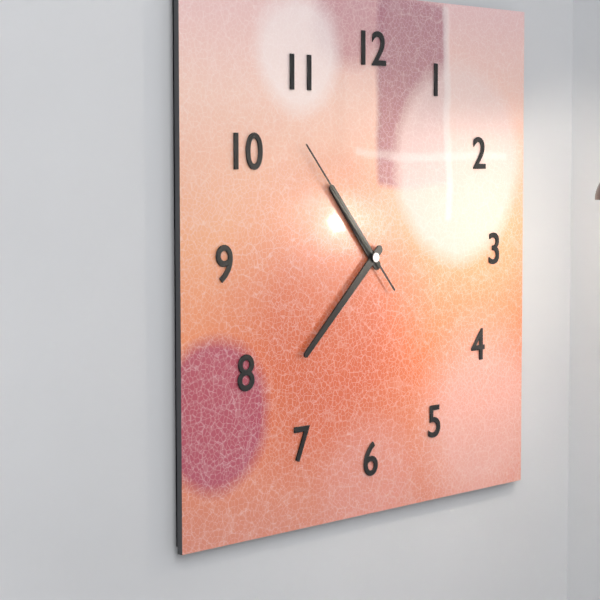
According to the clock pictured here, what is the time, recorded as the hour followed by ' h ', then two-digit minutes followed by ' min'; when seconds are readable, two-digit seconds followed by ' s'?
10 h 38 min 53 s
